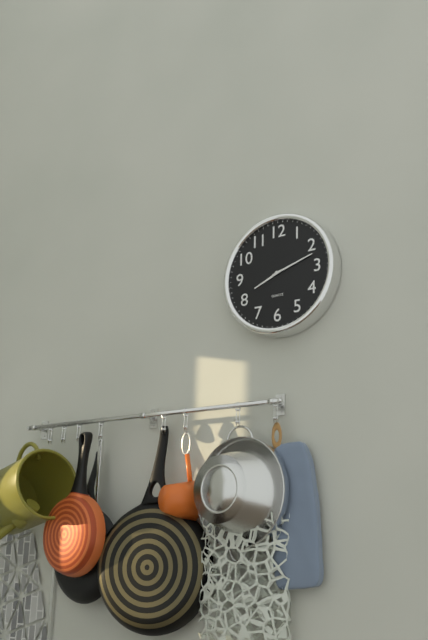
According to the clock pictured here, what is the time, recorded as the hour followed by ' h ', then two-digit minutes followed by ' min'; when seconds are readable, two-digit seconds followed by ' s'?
8 h 12 min
